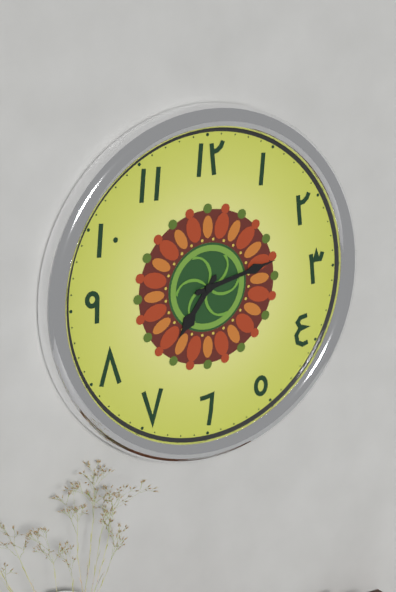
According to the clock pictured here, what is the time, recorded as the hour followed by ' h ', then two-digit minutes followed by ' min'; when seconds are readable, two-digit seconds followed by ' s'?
7 h 13 min
